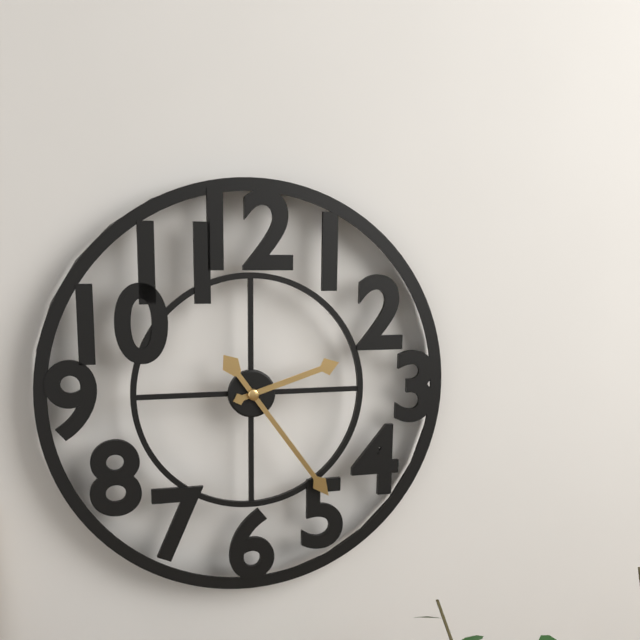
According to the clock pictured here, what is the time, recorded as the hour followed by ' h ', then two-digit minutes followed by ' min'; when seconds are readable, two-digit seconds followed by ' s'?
2 h 24 min
